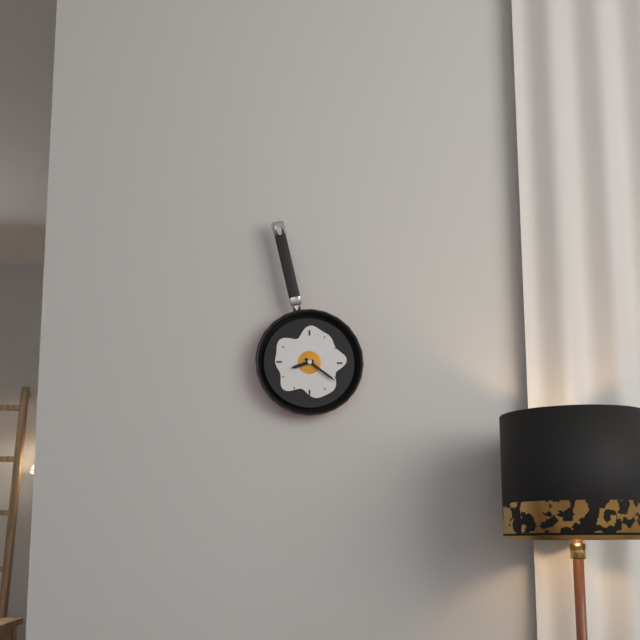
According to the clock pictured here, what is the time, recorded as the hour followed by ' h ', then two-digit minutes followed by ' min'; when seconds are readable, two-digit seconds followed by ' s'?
8 h 21 min
